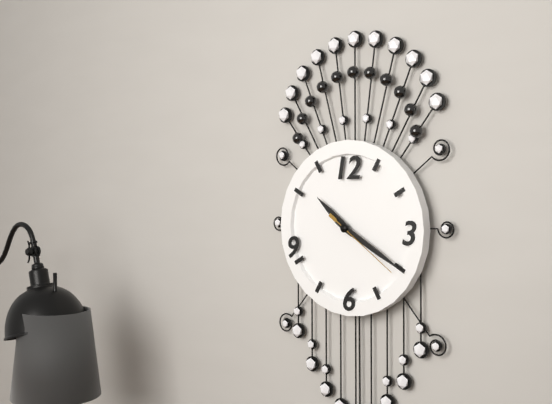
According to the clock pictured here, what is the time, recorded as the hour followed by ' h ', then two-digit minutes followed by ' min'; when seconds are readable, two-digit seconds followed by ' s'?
10 h 20 min 21 s
